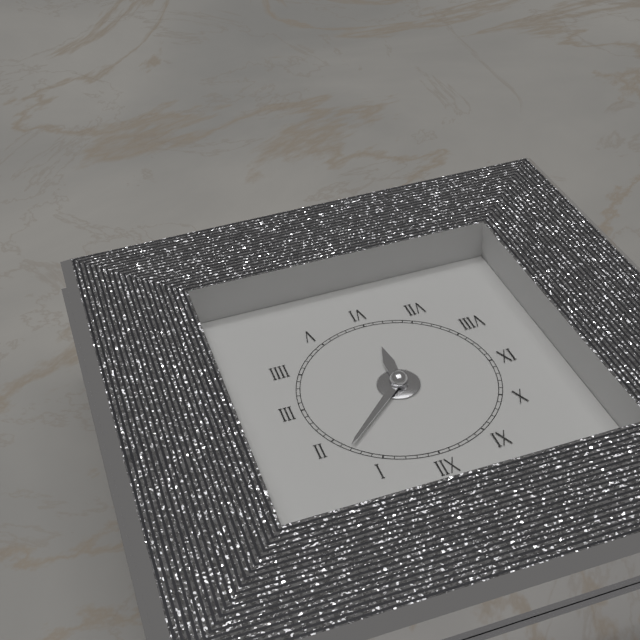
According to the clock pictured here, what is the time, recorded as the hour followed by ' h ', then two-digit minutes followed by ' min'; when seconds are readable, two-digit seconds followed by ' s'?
6 h 08 min
